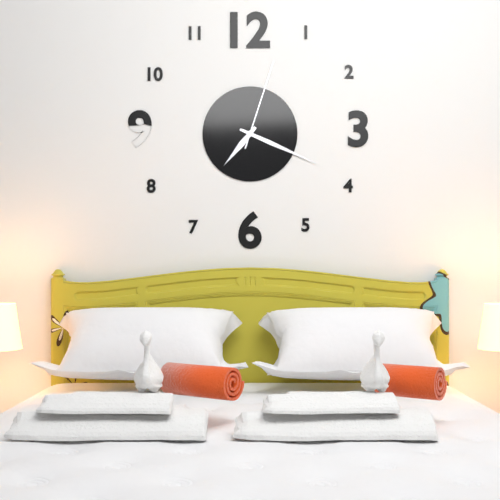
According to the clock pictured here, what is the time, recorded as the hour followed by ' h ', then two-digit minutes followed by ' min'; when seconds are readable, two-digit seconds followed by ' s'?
7 h 19 min 03 s
